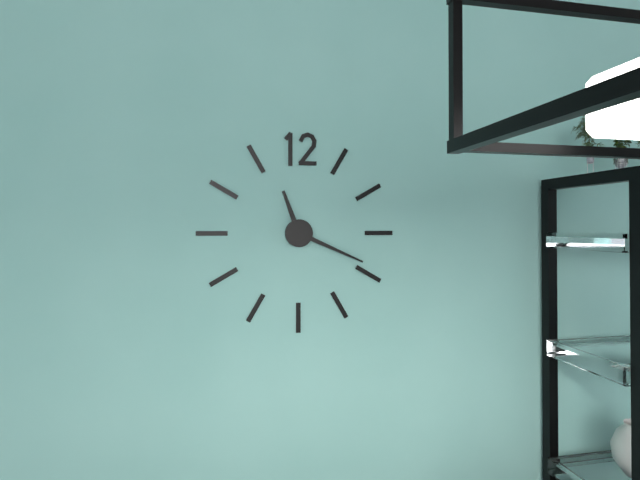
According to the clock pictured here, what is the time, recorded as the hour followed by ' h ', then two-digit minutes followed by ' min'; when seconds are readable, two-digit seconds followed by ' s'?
11 h 19 min
